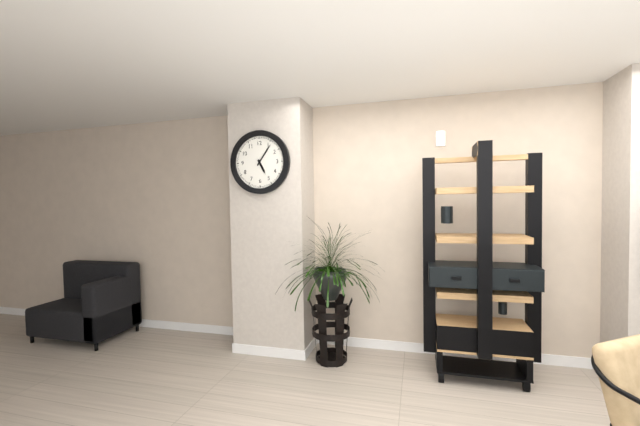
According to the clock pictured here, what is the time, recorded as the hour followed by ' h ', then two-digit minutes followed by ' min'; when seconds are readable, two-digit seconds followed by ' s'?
5 h 06 min
